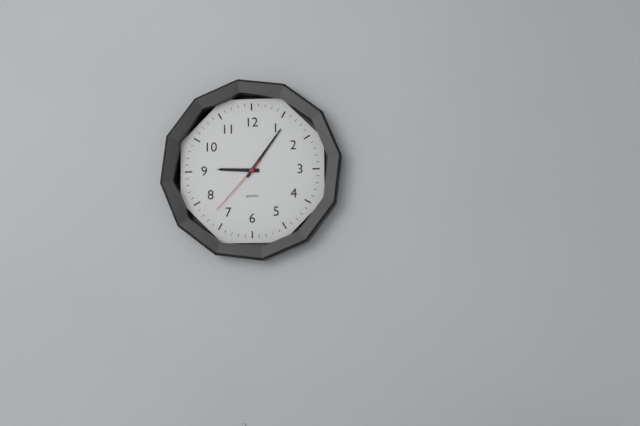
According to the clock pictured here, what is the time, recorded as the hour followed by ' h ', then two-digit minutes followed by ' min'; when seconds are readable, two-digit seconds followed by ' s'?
9 h 06 min 37 s
